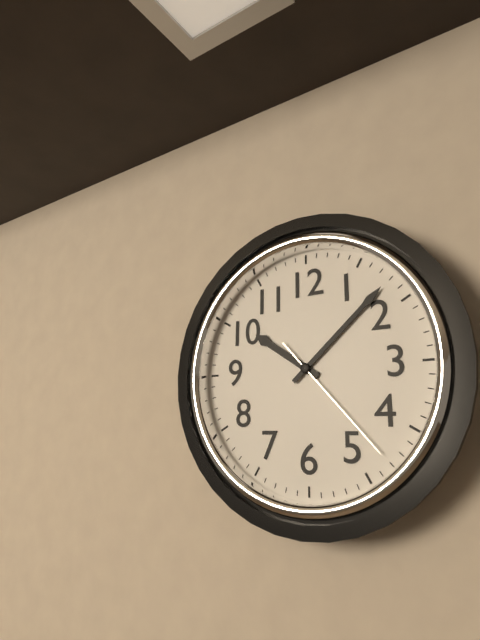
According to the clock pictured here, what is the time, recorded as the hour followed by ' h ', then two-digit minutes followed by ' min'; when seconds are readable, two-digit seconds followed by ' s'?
10 h 08 min 23 s
